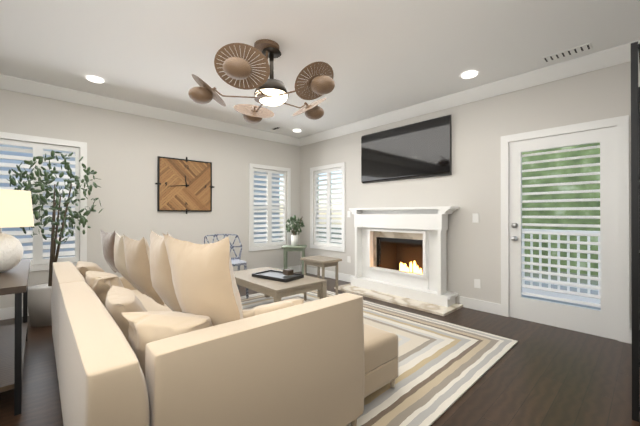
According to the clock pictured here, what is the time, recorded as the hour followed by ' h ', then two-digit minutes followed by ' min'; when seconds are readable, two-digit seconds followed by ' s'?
11 h 44 min
